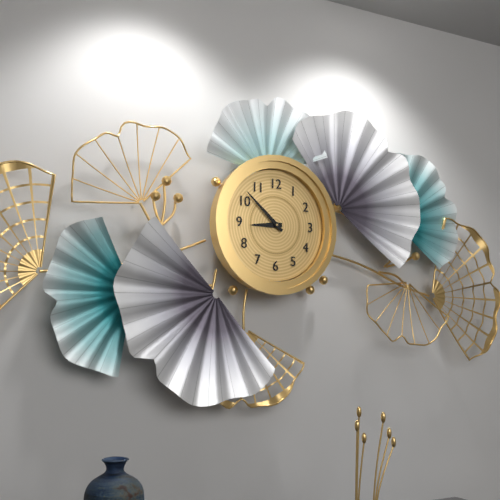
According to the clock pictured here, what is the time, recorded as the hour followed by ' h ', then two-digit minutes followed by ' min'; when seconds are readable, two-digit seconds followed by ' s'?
8 h 52 min
